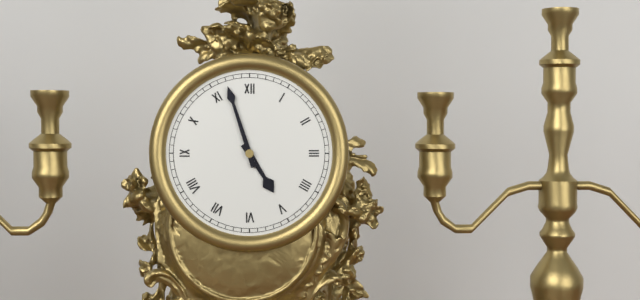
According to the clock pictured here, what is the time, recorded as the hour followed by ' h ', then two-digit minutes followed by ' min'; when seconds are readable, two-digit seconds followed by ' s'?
4 h 57 min
